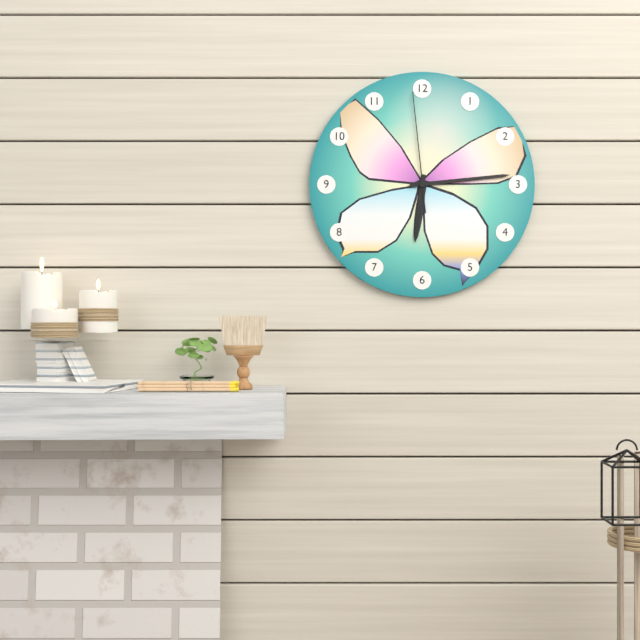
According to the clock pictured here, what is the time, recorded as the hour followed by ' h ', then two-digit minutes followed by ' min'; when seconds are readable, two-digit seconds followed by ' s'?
6 h 14 min 59 s
